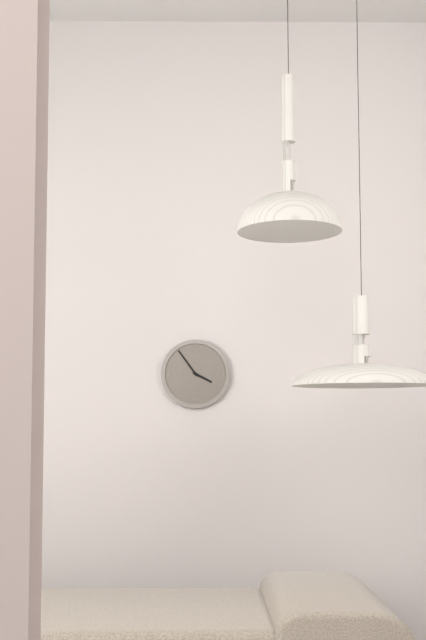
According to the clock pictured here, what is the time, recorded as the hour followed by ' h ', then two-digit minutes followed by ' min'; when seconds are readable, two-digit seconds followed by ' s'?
3 h 54 min
